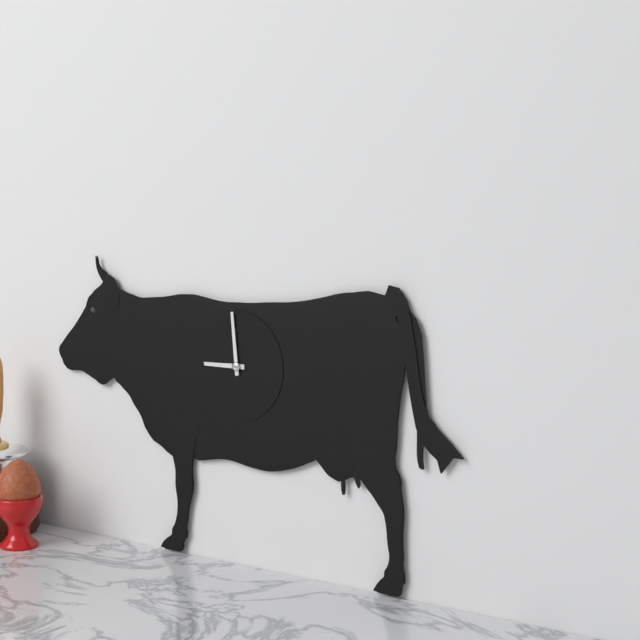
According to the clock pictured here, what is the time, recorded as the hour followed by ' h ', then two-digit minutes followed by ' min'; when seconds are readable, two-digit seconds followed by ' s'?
8 h 59 min
